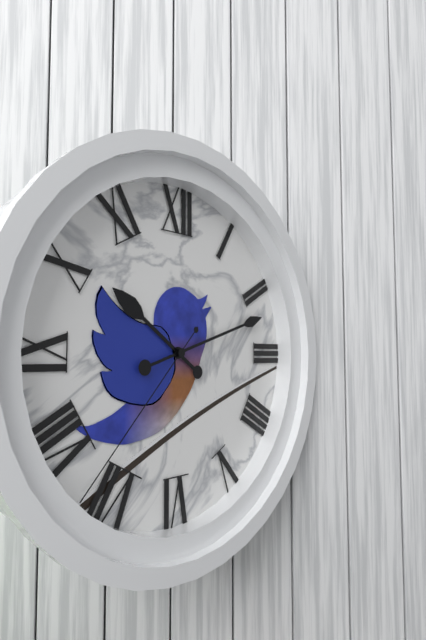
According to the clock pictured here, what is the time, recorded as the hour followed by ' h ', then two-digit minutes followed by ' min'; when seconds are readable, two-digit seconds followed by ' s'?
10 h 12 min 37 s
